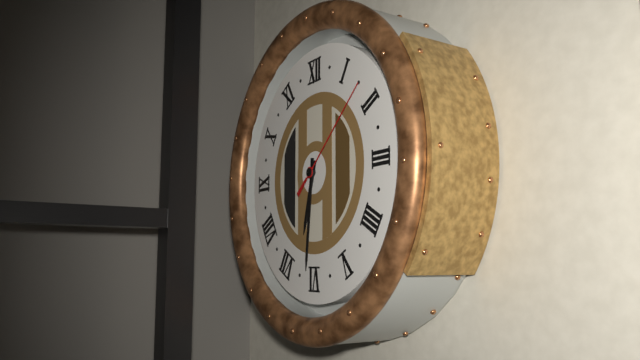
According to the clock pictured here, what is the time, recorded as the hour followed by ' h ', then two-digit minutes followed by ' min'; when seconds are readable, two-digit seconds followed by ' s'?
6 h 31 min 08 s
